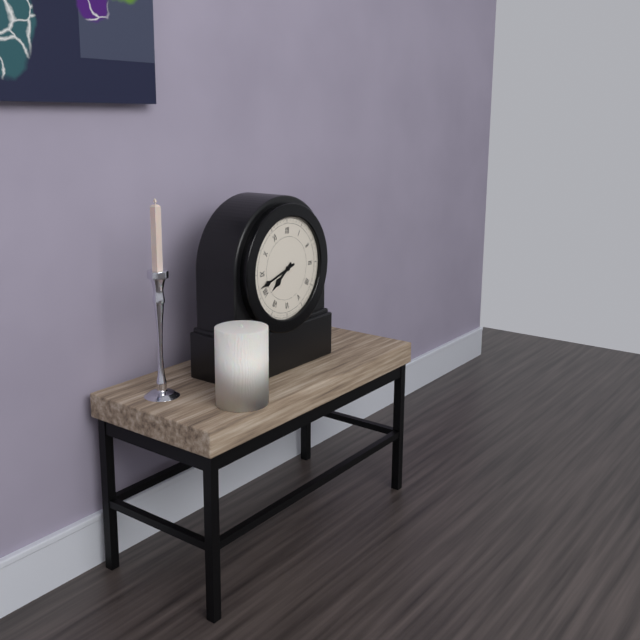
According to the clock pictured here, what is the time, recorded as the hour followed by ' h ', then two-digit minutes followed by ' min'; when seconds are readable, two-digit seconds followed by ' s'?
7 h 42 min
